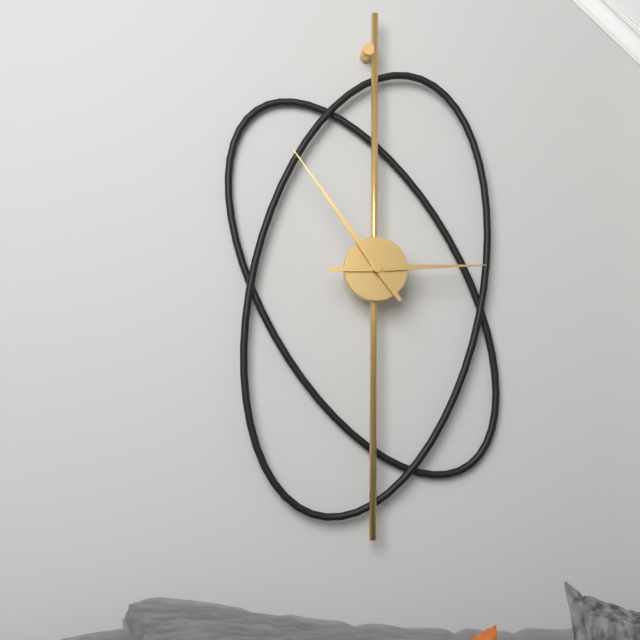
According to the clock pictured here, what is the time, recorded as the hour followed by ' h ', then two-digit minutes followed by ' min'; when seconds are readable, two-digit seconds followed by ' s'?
2 h 54 min
